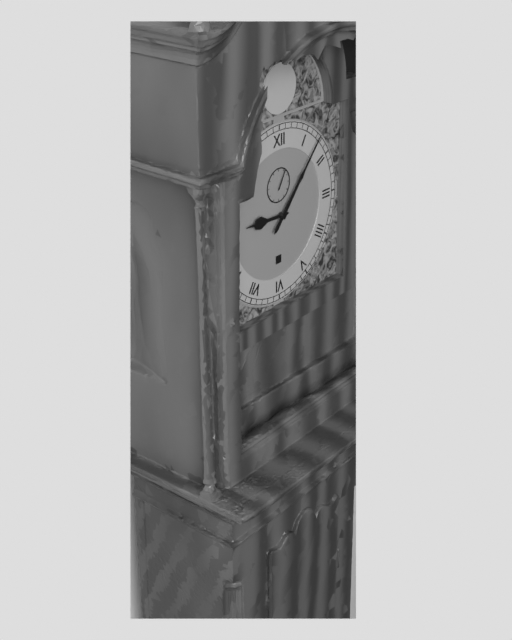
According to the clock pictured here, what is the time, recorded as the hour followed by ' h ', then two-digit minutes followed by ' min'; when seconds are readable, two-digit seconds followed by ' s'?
9 h 07 min
